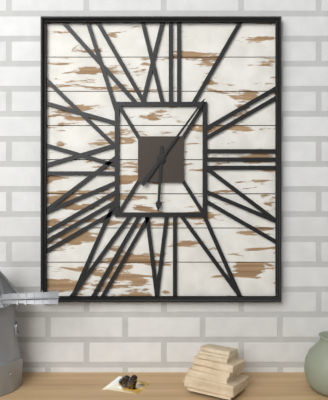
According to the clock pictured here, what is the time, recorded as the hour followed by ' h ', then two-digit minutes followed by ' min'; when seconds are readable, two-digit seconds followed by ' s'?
6 h 06 min
